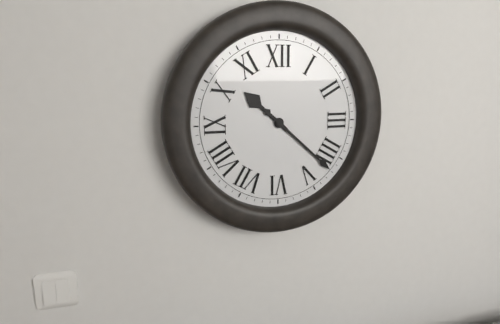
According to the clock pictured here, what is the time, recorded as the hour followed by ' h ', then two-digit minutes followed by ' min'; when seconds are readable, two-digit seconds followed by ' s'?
10 h 22 min
